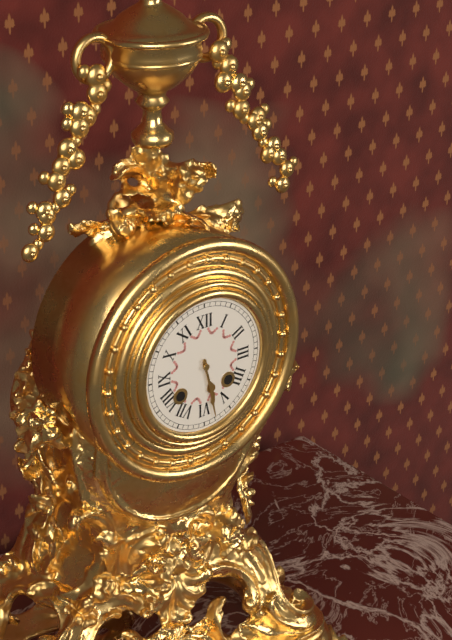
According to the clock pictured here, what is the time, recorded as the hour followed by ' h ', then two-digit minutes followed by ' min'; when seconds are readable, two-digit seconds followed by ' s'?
5 h 28 min
